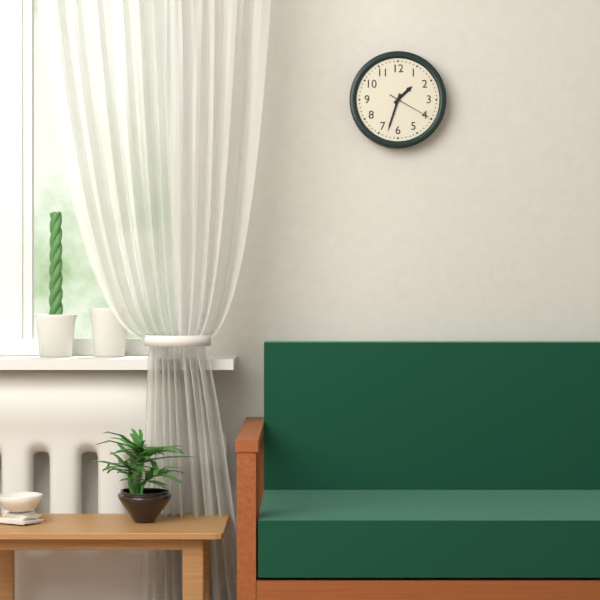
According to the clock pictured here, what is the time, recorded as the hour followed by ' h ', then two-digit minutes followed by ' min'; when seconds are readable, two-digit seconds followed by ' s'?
1 h 33 min
